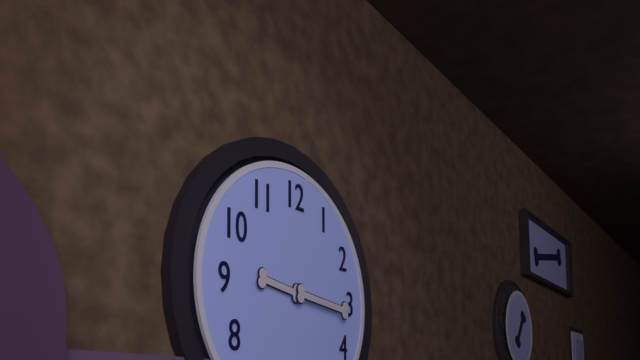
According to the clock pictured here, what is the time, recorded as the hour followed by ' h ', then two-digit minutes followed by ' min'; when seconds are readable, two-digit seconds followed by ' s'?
9 h 16 min
